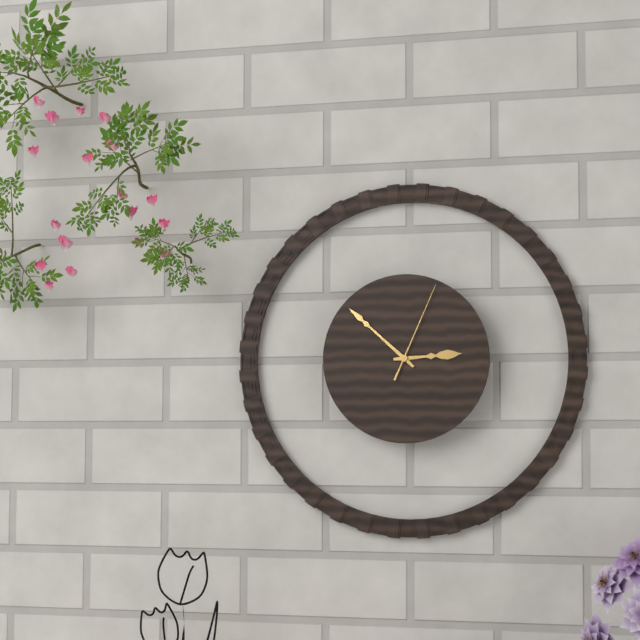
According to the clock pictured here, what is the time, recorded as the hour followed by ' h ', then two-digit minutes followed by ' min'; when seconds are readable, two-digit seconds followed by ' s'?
2 h 52 min 04 s
